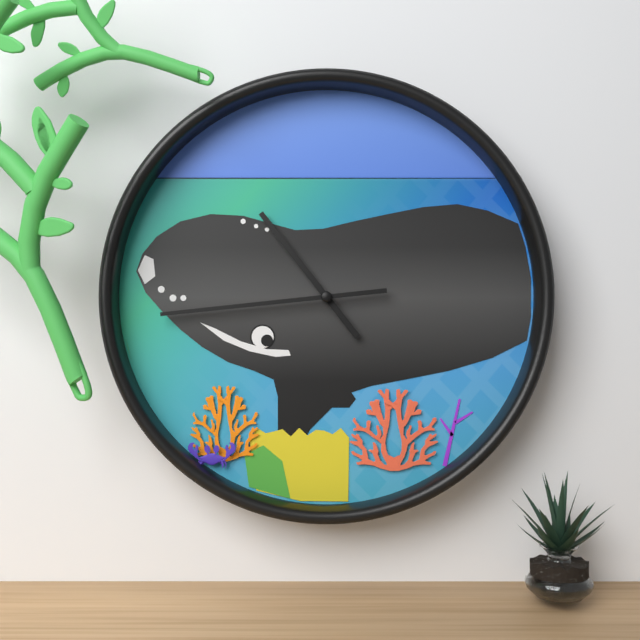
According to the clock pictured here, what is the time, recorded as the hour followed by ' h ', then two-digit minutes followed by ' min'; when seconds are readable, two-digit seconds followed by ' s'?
10 h 44 min
